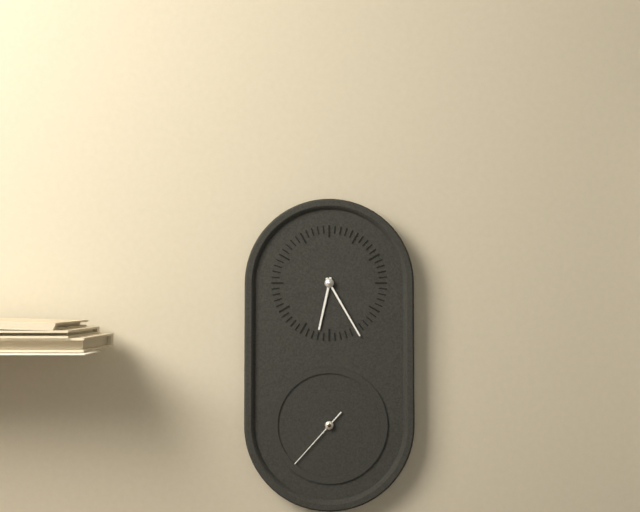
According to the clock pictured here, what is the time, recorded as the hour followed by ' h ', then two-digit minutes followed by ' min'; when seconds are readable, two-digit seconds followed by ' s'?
6 h 25 min 37 s
